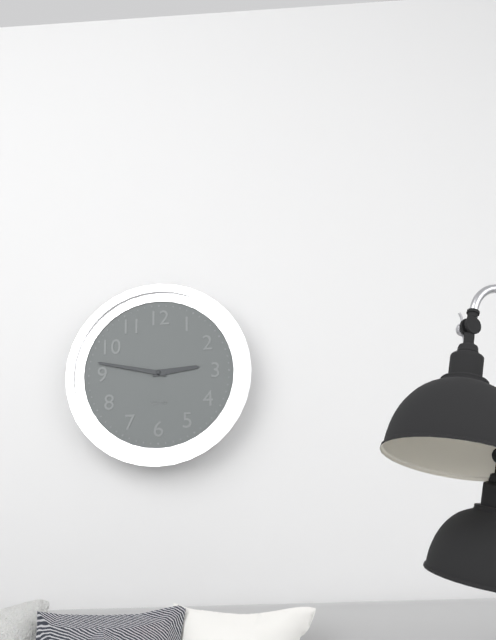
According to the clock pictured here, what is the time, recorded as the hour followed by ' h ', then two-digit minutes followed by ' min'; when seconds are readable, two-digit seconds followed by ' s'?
2 h 47 min
